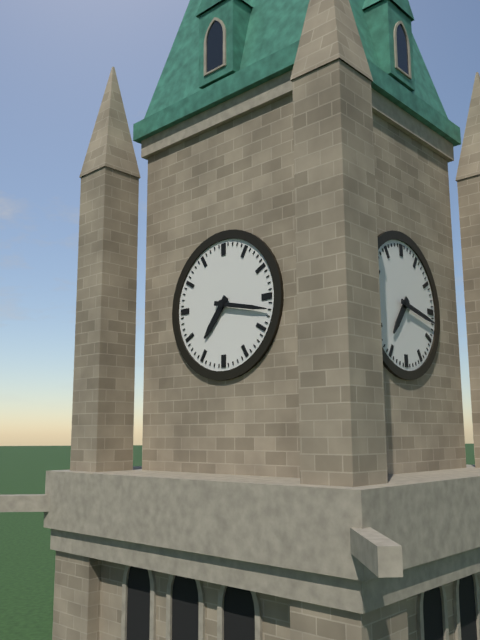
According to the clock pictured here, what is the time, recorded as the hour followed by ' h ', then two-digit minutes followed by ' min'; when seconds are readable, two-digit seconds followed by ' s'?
7 h 17 min
